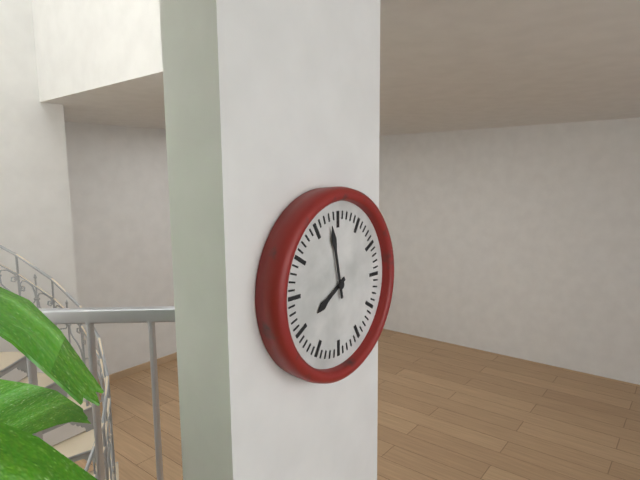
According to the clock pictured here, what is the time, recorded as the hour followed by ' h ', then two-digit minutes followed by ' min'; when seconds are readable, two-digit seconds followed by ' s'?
7 h 58 min
